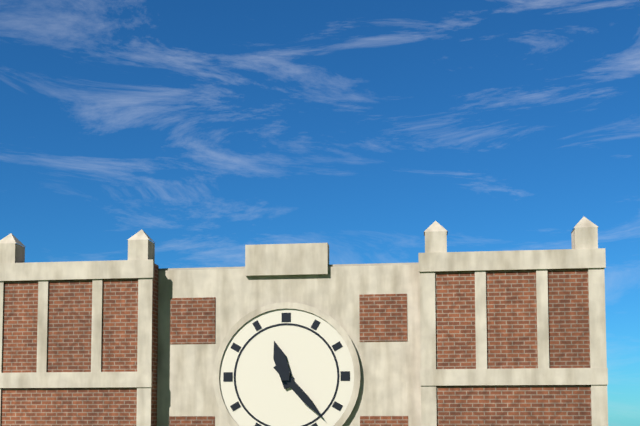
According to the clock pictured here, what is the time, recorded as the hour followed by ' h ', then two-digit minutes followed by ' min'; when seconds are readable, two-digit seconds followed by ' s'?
11 h 23 min
